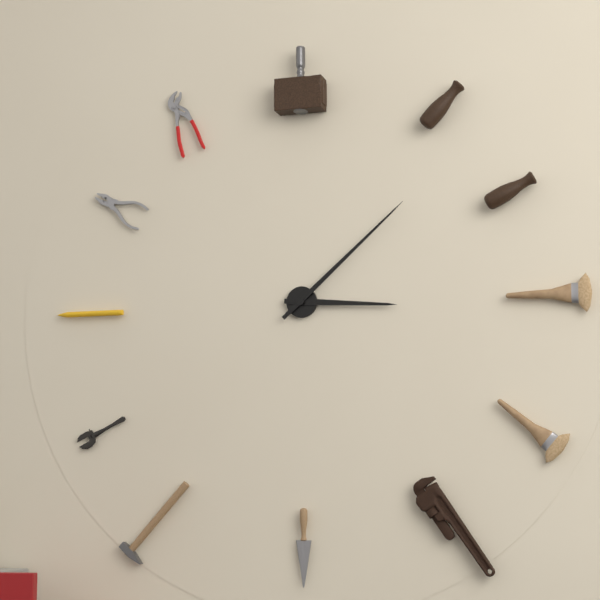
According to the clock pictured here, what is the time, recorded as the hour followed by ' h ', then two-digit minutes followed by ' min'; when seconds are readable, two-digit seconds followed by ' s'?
3 h 08 min
